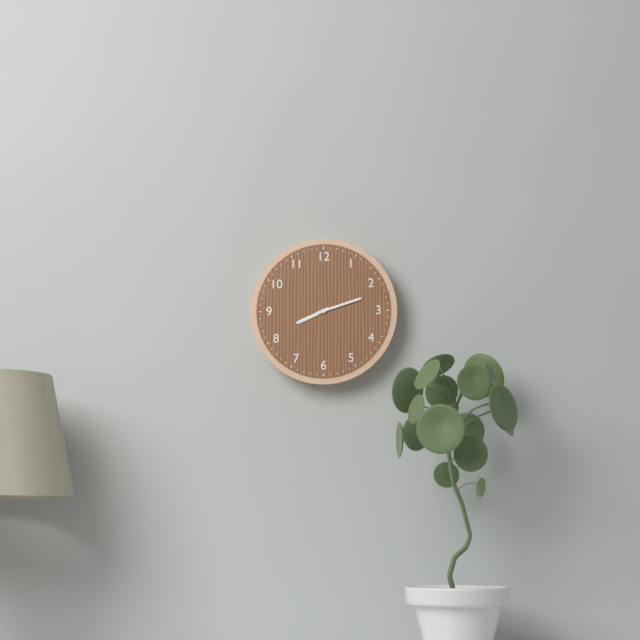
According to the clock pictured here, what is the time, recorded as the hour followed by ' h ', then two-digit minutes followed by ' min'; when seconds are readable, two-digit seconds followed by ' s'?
8 h 12 min
